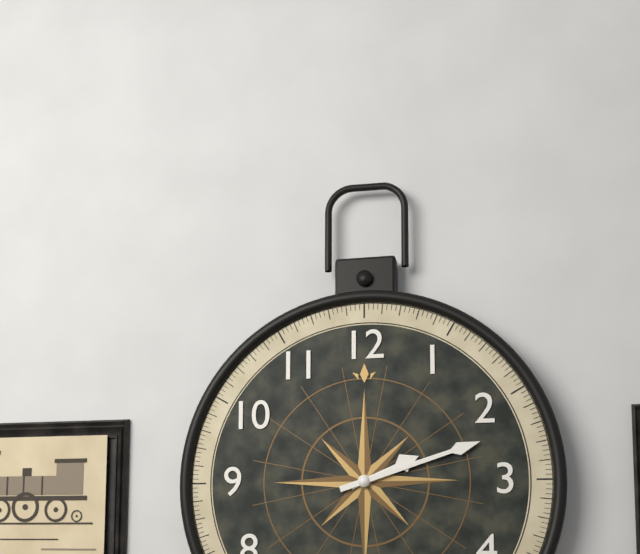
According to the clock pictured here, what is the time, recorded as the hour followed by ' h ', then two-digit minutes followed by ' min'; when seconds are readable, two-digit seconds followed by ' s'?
2 h 12 min
